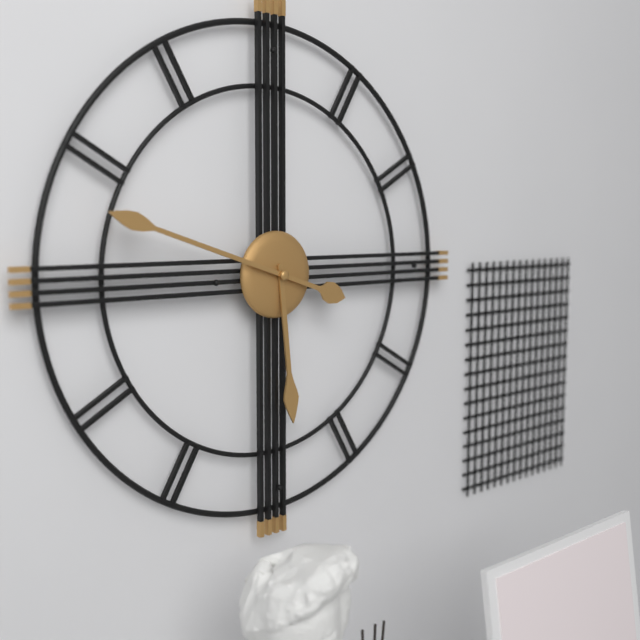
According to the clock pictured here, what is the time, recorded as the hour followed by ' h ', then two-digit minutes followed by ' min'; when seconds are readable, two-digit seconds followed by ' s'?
5 h 48 min
